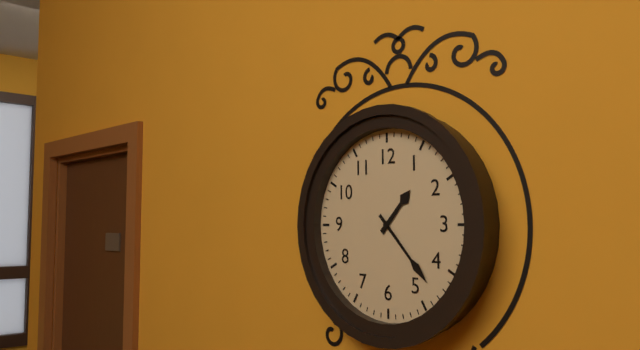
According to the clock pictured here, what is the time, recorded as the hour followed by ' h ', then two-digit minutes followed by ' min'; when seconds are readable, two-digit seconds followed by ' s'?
1 h 23 min
